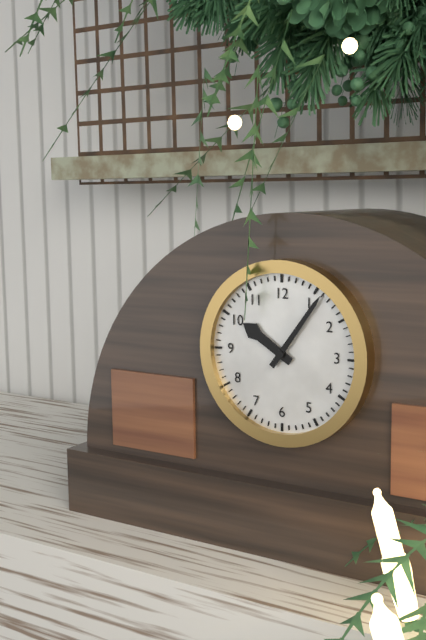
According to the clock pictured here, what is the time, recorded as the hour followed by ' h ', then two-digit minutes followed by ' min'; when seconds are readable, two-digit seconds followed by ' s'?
10 h 06 min
